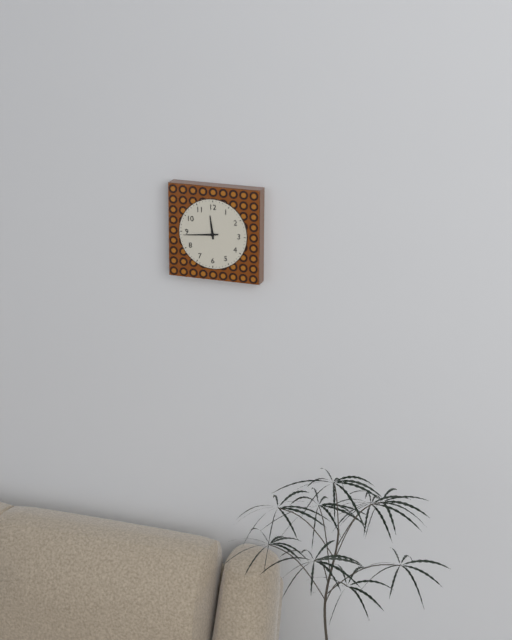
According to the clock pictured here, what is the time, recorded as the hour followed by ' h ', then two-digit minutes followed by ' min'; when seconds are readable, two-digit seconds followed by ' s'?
11 h 44 min
